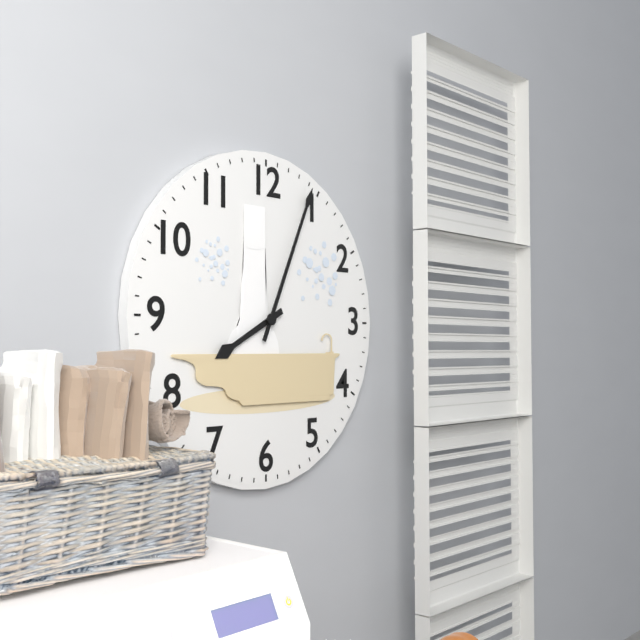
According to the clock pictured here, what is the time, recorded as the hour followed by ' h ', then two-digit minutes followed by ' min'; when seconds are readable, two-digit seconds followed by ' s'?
8 h 04 min
